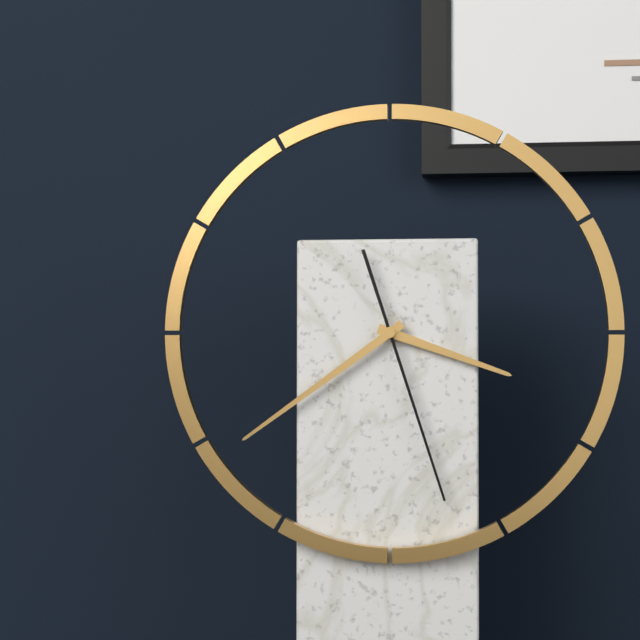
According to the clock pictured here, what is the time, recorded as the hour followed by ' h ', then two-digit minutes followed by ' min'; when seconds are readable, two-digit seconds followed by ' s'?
3 h 39 min 27 s
